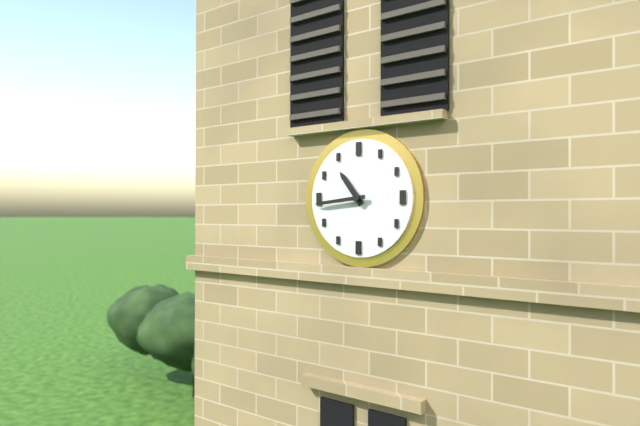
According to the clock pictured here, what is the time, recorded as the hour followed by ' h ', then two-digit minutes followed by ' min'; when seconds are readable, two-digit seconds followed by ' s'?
10 h 44 min
